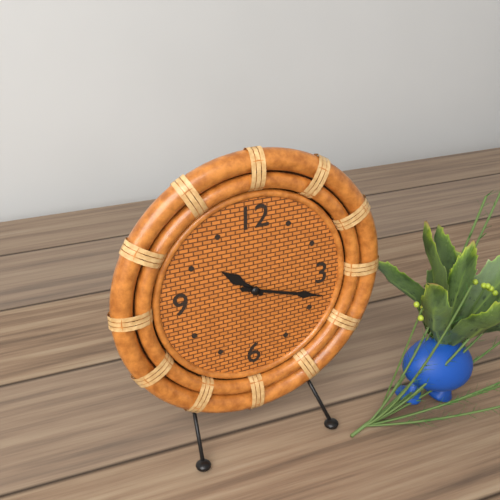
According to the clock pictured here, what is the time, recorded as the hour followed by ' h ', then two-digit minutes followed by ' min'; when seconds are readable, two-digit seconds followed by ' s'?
10 h 18 min
